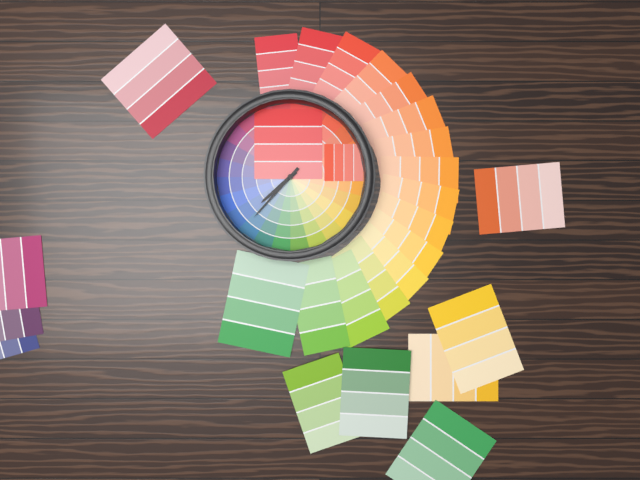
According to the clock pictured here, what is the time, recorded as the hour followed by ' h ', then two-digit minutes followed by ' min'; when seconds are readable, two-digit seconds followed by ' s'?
7 h 37 min
